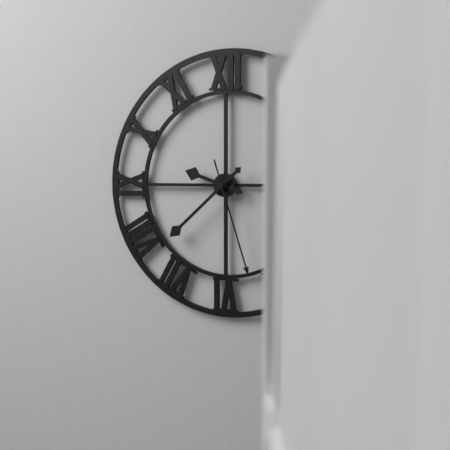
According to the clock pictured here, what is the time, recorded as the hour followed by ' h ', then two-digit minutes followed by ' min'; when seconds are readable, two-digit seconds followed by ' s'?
9 h 38 min 27 s
